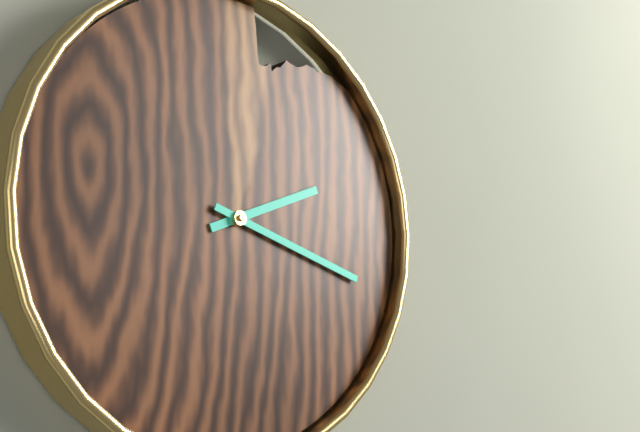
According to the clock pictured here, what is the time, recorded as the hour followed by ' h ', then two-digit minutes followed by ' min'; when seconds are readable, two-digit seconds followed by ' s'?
2 h 18 min
